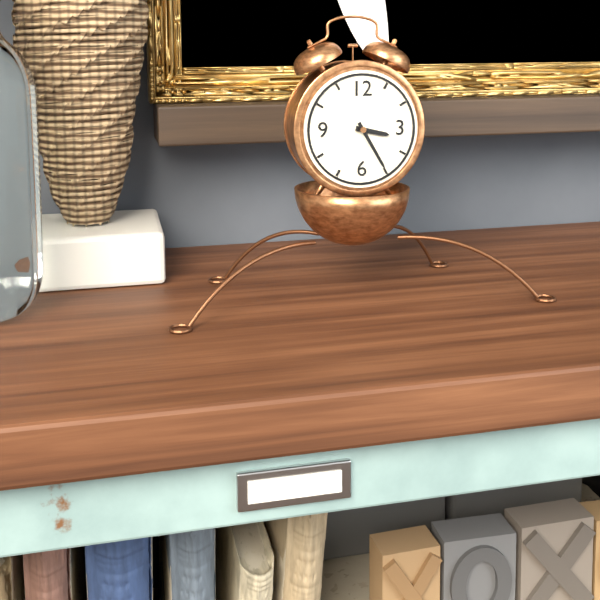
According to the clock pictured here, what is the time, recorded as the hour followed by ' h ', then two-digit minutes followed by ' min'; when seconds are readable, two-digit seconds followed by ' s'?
3 h 25 min
